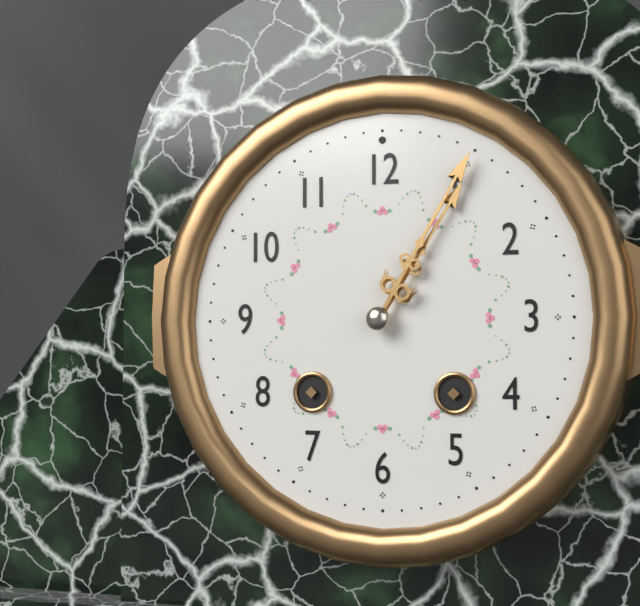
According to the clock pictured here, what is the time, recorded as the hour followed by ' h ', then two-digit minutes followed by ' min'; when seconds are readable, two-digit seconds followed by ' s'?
1 h 05 min
